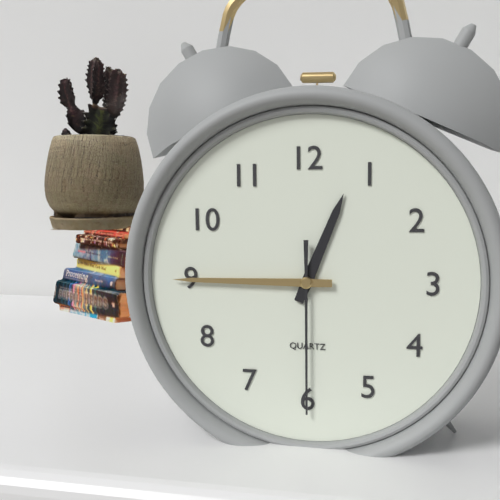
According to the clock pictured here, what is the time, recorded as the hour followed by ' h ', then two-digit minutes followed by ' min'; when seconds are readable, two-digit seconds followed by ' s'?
12 h 45 min 30 s
